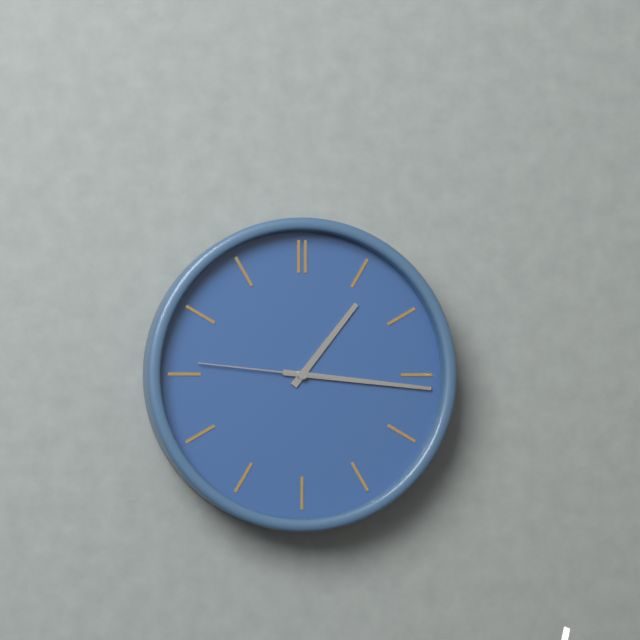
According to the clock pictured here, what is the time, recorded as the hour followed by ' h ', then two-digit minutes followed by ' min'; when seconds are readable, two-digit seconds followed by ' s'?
1 h 16 min 46 s
